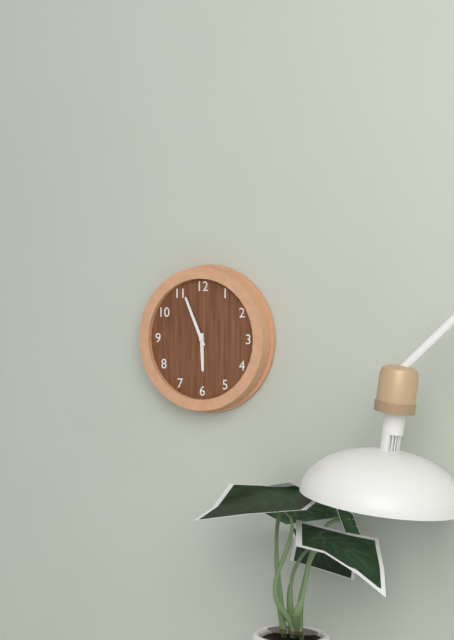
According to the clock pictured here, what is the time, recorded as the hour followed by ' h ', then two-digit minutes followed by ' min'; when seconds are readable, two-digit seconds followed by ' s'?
5 h 56 min
